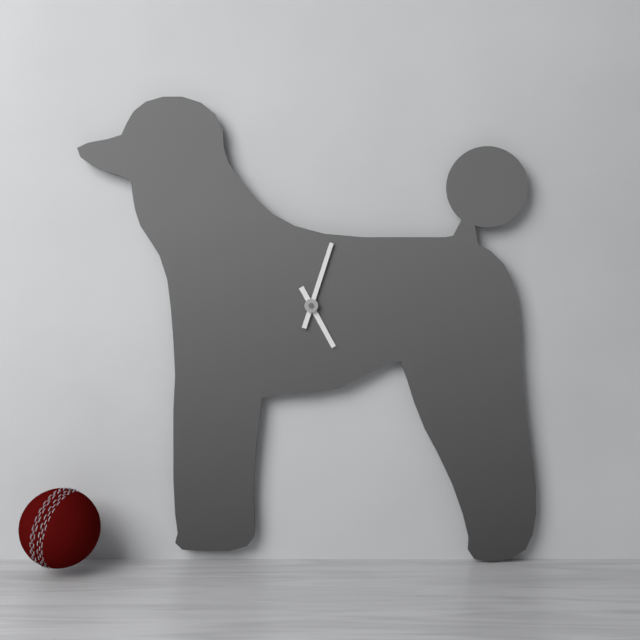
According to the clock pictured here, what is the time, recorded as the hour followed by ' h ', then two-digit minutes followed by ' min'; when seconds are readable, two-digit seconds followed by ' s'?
5 h 03 min
